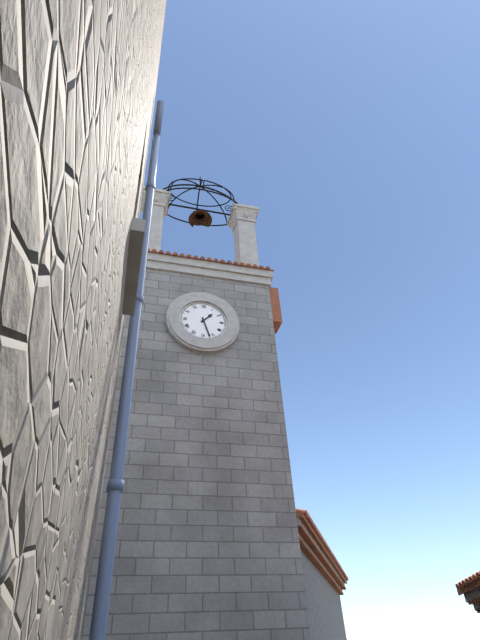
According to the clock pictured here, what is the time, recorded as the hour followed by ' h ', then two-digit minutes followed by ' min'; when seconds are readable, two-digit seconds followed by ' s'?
1 h 27 min
